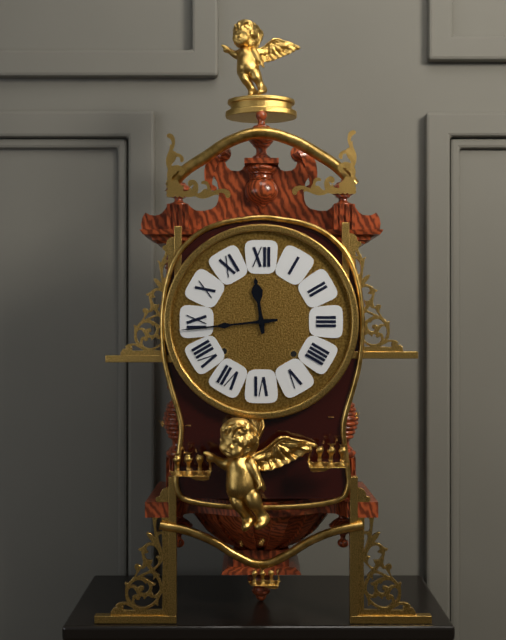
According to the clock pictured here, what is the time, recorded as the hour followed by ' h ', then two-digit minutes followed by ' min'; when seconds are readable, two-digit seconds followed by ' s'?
11 h 44 min
